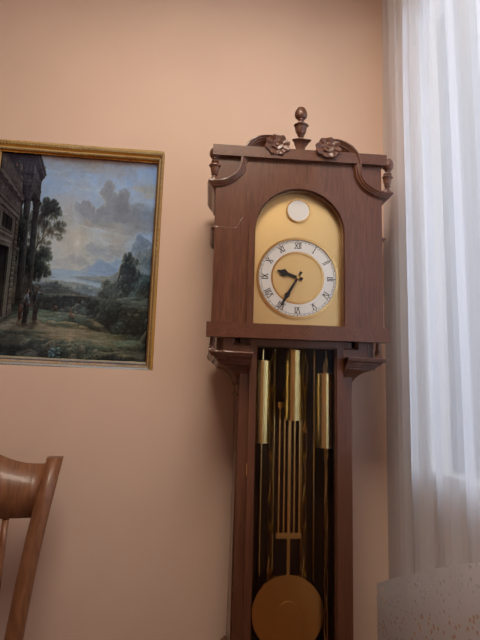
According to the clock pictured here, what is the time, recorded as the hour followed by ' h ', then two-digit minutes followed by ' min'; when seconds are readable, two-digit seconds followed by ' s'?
9 h 35 min
